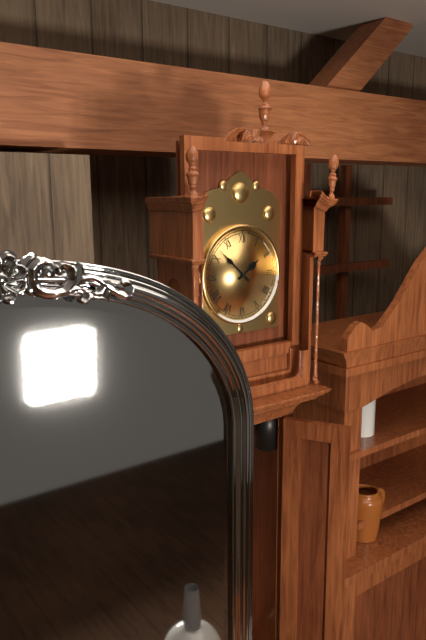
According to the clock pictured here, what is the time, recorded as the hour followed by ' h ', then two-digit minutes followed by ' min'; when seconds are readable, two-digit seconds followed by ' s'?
1 h 52 min
